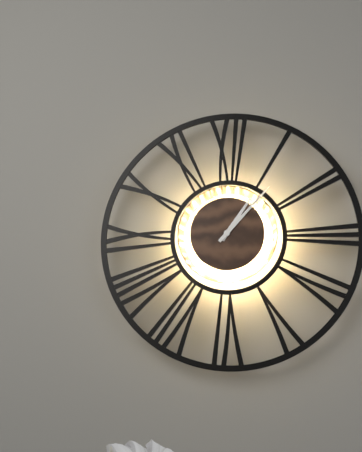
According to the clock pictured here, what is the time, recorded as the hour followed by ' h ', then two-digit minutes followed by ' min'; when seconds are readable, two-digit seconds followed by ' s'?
1 h 07 min
